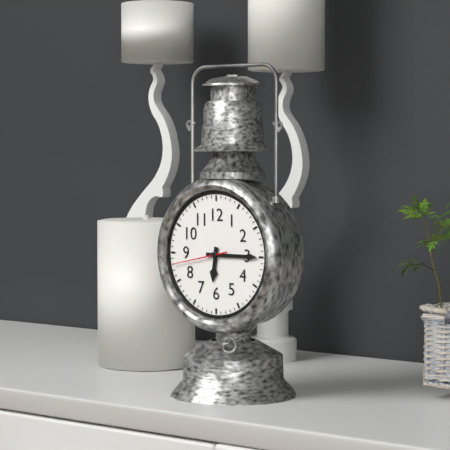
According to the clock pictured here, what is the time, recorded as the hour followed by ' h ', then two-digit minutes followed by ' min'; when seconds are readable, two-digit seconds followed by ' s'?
6 h 15 min 43 s
